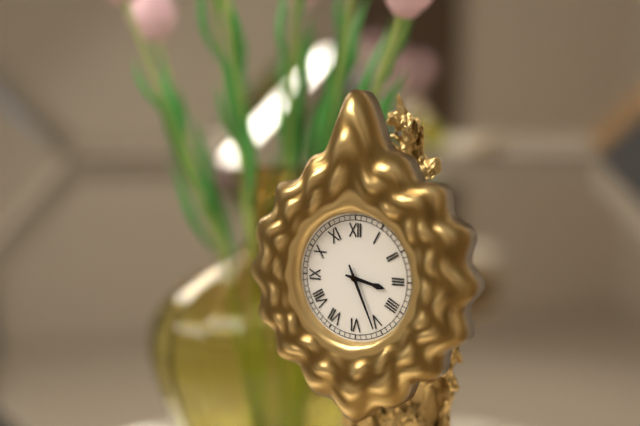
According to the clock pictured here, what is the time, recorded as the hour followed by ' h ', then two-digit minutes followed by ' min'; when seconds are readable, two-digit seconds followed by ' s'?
3 h 26 min
